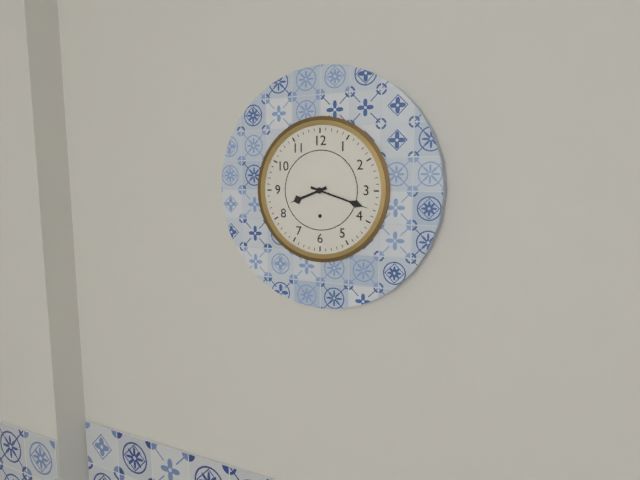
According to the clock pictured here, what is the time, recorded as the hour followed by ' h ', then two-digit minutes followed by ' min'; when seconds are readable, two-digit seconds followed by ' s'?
8 h 18 min
